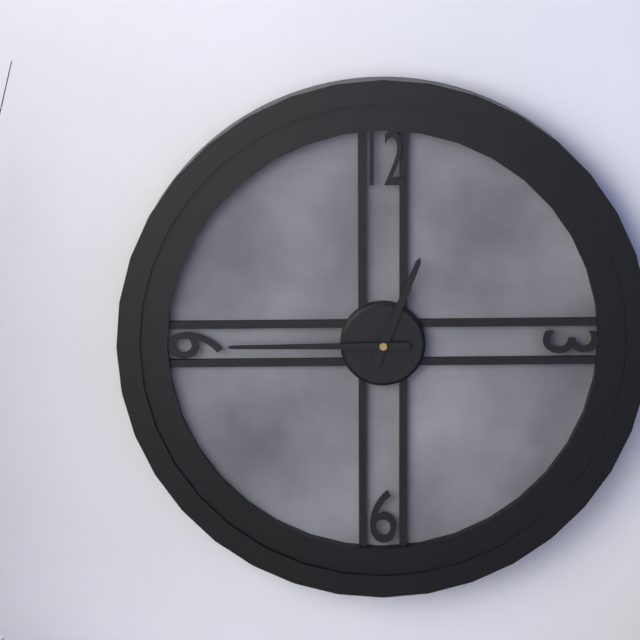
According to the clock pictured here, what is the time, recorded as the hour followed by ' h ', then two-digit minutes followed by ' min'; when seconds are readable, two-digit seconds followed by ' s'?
12 h 45 min
